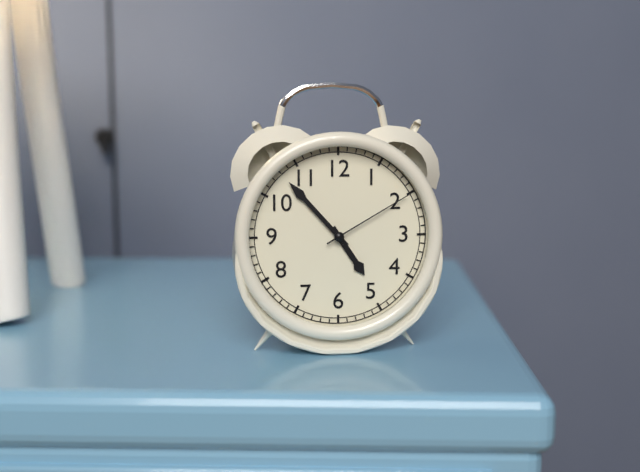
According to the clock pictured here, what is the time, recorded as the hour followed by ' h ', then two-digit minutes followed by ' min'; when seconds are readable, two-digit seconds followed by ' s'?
4 h 53 min 10 s
